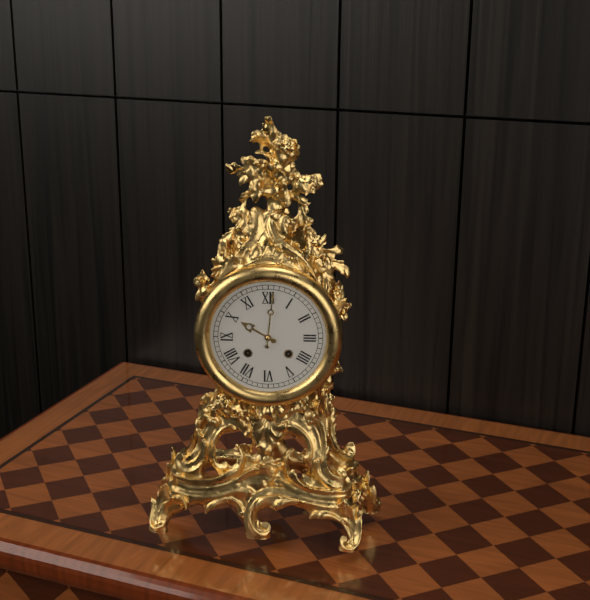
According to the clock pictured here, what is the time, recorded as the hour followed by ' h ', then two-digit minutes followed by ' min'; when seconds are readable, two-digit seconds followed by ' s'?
10 h 01 min
